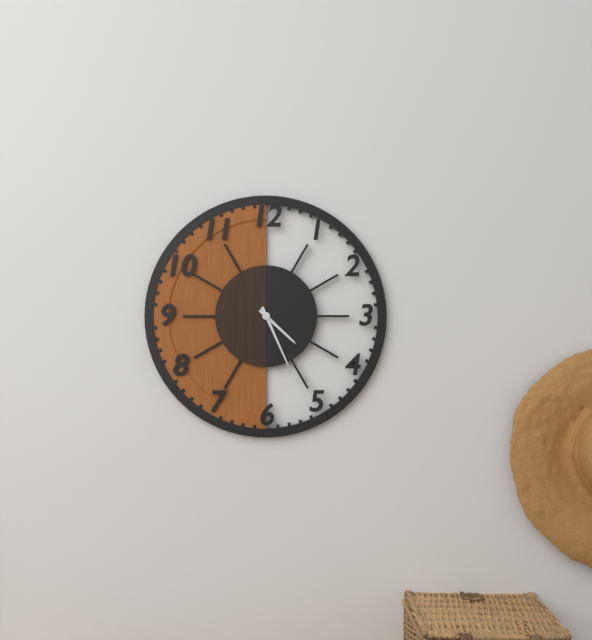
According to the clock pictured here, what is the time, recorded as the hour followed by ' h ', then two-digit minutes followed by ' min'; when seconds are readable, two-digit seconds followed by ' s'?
4 h 26 min
